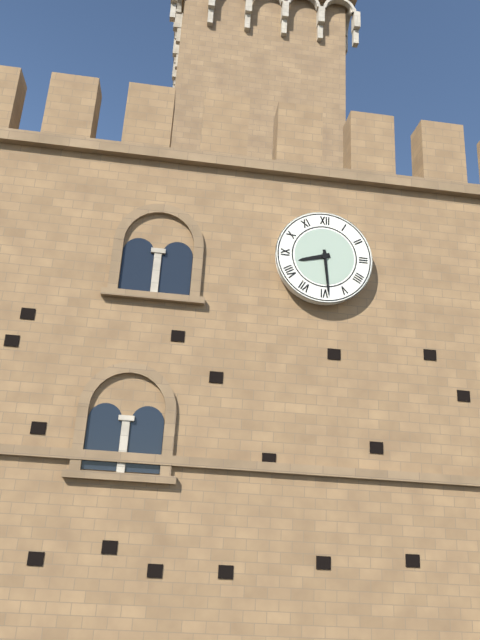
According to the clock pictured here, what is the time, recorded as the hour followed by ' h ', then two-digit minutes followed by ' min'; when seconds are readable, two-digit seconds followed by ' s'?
8 h 29 min
